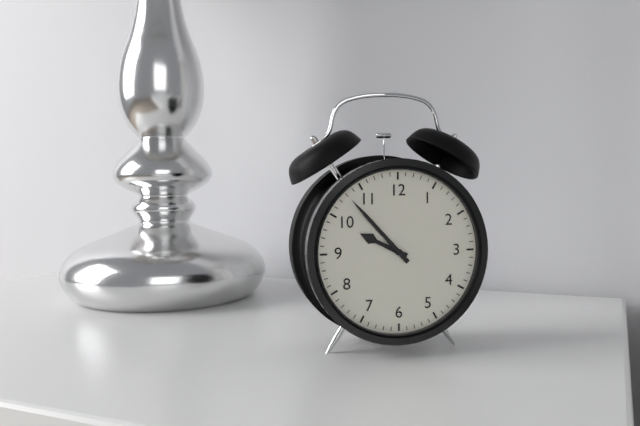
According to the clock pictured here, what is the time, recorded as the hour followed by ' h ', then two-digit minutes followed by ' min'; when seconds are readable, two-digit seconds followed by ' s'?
9 h 53 min
